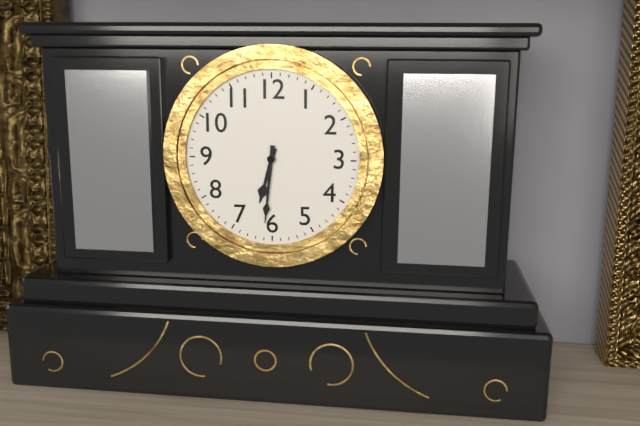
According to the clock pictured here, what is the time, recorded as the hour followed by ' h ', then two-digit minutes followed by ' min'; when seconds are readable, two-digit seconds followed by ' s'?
6 h 31 min
